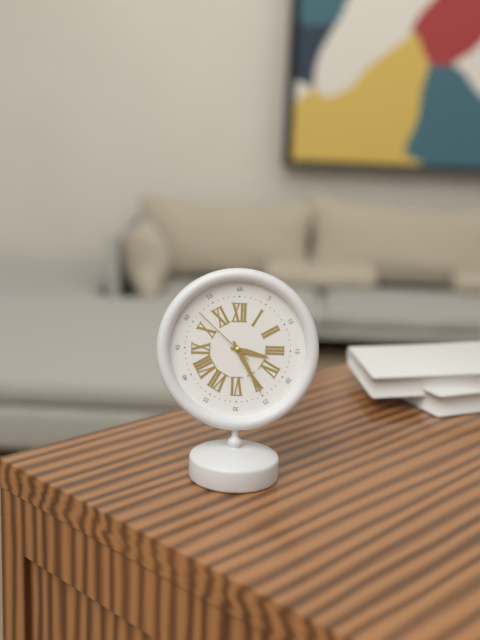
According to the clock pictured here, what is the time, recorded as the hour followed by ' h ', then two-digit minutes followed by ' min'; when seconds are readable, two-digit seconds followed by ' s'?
3 h 25 min 52 s
